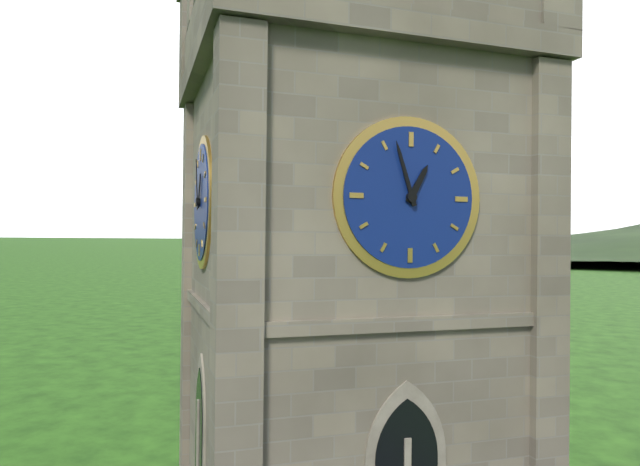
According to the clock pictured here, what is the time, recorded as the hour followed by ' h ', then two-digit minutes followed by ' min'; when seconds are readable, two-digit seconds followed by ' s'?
12 h 57 min
